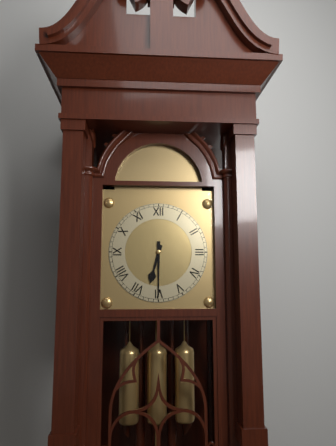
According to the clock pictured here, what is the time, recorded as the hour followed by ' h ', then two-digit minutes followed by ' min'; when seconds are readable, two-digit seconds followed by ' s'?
6 h 30 min
